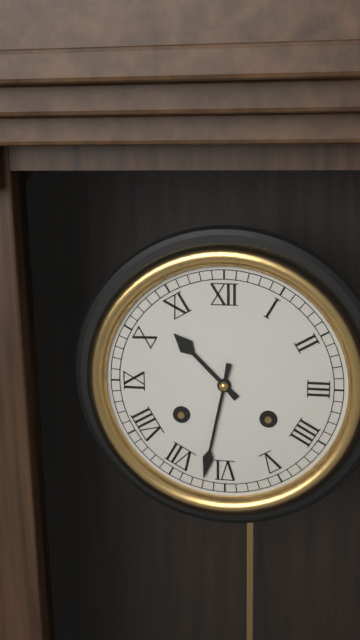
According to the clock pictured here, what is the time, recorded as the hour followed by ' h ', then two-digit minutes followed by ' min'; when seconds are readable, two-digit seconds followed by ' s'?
10 h 32 min
